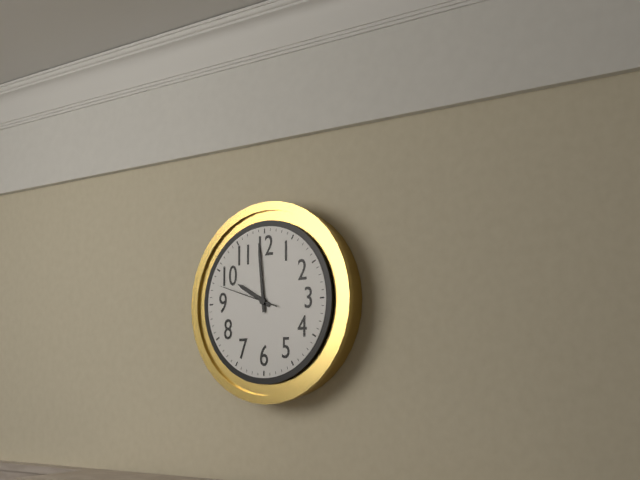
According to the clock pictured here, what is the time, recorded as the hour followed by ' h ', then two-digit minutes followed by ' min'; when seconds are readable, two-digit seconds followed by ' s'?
9 h 59 min 48 s
